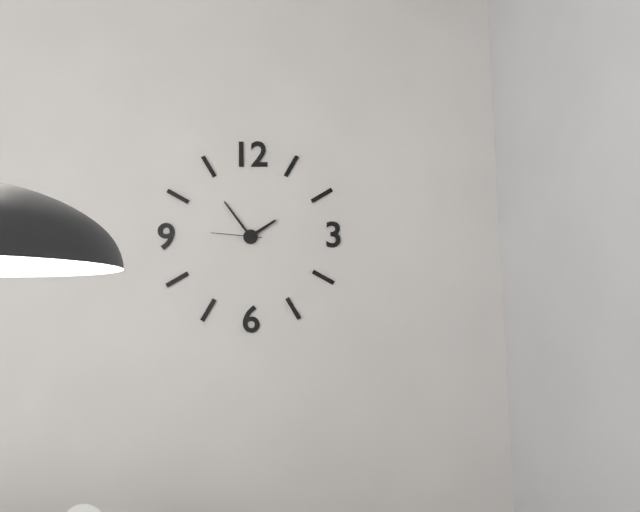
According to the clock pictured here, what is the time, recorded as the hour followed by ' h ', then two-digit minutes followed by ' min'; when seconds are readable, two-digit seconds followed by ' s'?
1 h 54 min 46 s
